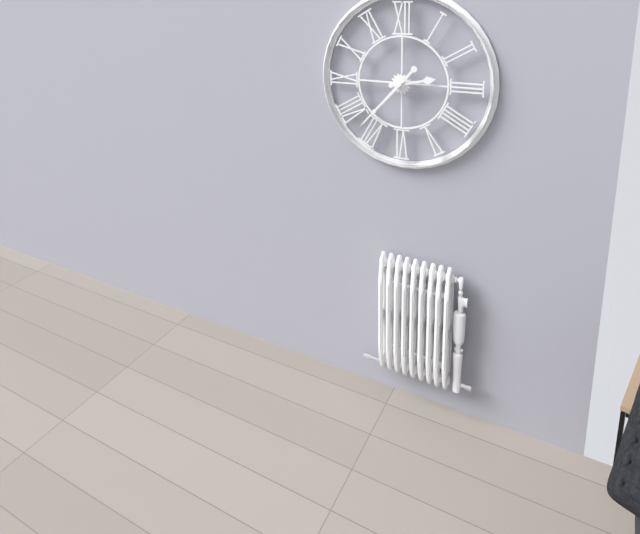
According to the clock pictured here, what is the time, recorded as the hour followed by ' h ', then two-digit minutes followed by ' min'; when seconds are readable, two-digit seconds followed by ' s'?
2 h 37 min
